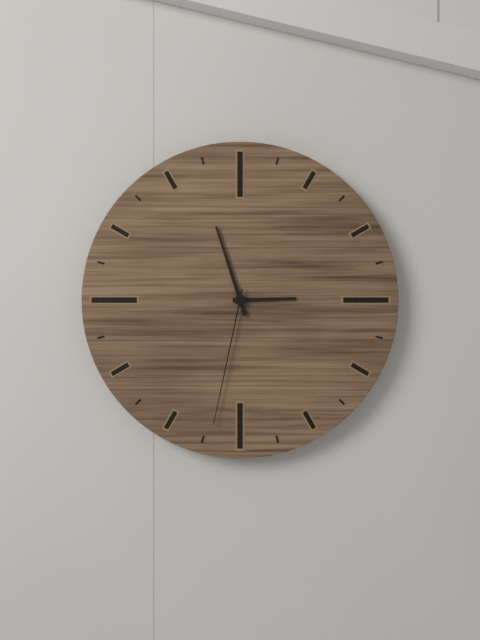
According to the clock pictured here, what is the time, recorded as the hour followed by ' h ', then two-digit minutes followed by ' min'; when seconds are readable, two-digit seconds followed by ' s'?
2 h 57 min 32 s
